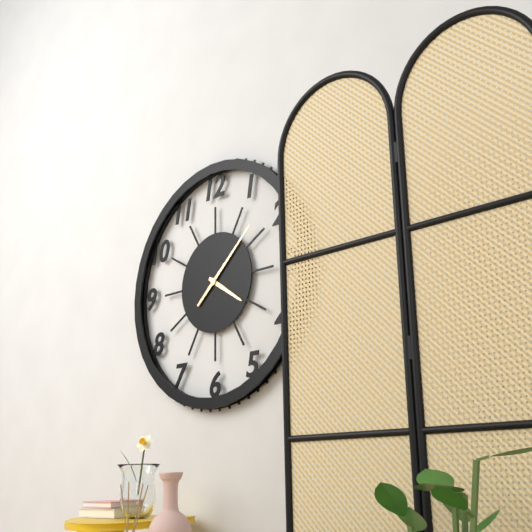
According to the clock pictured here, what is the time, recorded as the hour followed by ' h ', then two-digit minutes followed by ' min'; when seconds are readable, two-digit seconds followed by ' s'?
4 h 08 min
